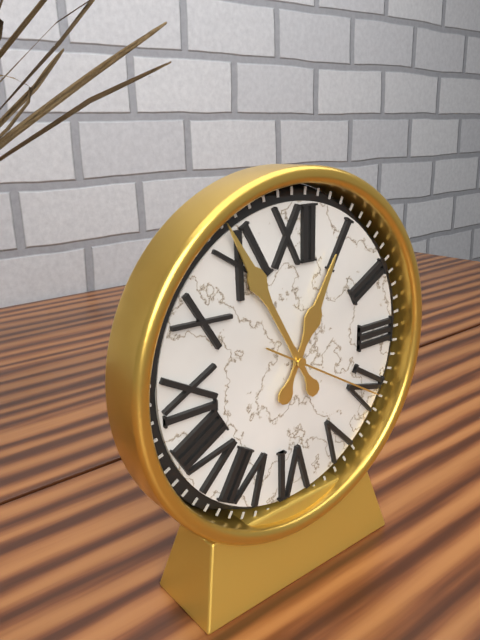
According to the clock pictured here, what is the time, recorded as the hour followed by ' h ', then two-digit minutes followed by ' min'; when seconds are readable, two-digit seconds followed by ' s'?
12 h 55 min 20 s
